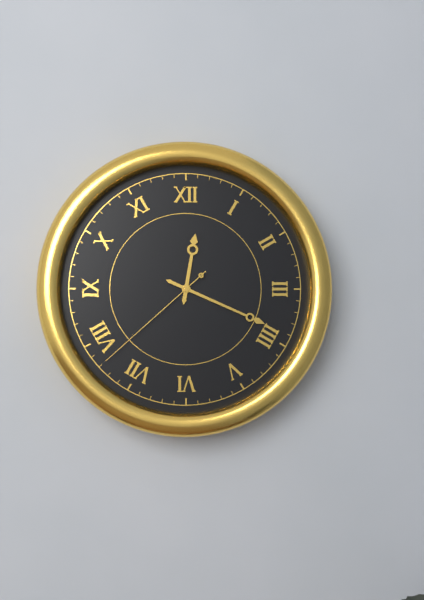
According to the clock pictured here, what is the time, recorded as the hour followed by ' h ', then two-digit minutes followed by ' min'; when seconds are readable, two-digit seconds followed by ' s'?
12 h 19 min 38 s
